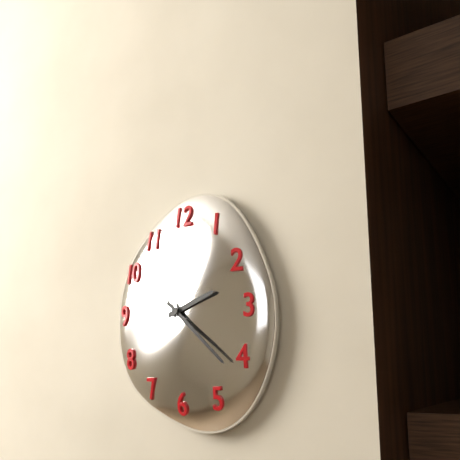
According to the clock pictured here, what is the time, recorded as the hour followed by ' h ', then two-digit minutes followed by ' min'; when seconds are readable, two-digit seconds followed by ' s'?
2 h 22 min
